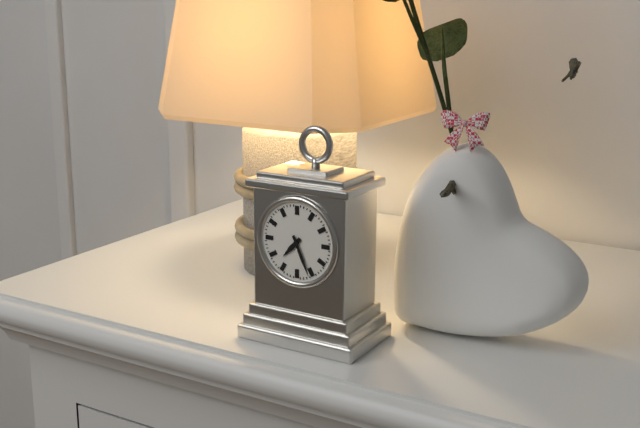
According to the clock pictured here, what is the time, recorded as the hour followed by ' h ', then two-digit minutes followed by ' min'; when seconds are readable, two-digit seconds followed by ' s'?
7 h 26 min
